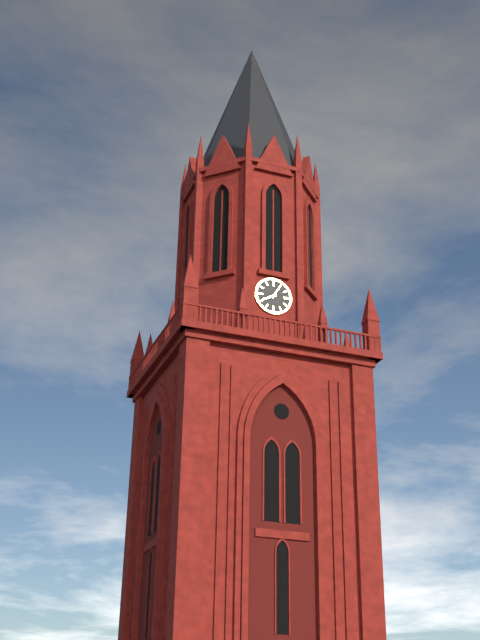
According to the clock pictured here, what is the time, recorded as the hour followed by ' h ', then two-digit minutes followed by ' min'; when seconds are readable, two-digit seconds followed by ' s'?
8 h 05 min
